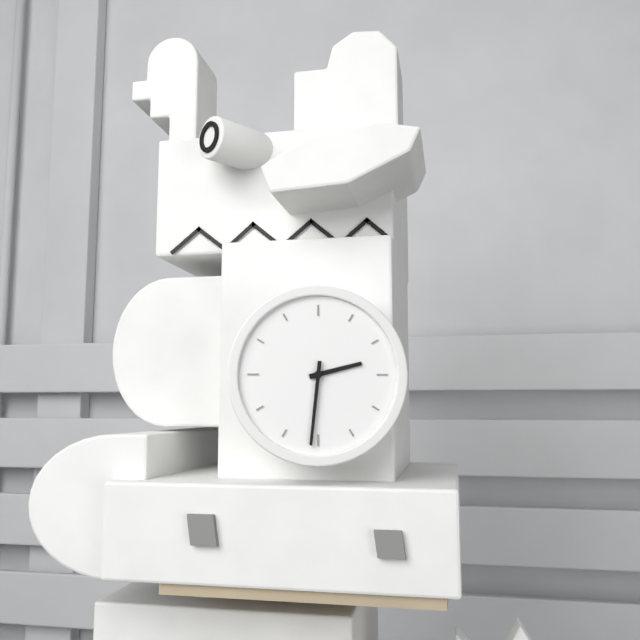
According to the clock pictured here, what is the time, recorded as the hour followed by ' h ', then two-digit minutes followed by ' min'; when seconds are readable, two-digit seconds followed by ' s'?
2 h 31 min
